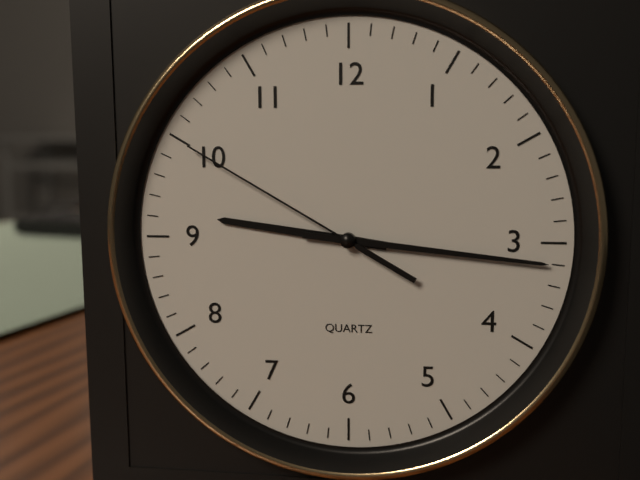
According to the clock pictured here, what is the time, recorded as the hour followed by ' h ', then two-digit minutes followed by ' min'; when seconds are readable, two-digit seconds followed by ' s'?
9 h 16 min 50 s
